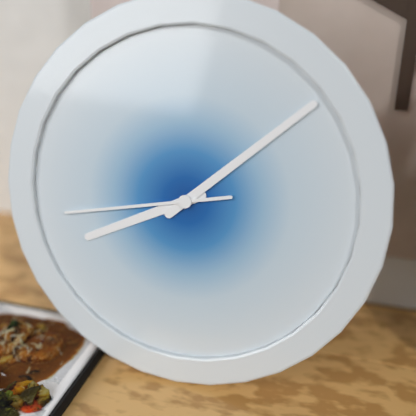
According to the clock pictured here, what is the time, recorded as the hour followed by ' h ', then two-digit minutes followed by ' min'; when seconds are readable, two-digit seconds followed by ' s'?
8 h 08 min 43 s
